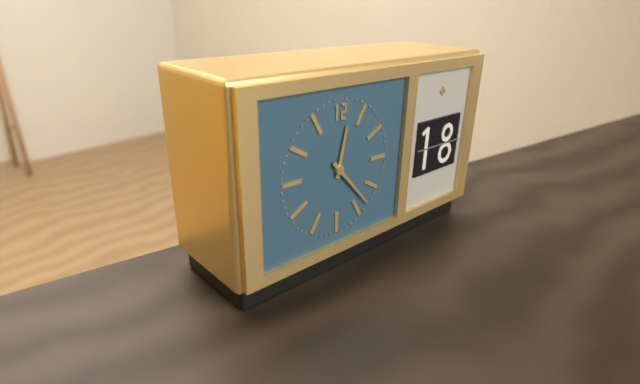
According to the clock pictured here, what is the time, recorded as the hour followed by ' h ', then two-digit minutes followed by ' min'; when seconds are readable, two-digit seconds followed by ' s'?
12 h 23 min
